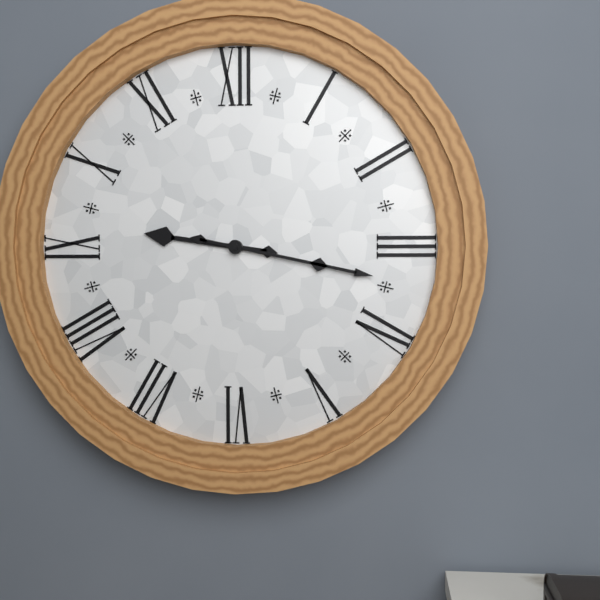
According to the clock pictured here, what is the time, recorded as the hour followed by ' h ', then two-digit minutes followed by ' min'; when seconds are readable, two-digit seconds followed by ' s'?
9 h 17 min
